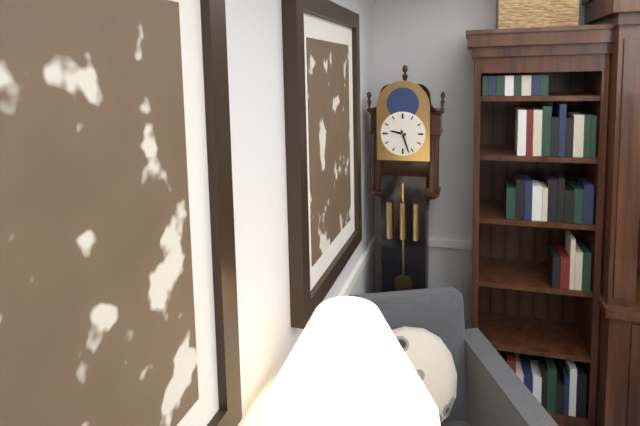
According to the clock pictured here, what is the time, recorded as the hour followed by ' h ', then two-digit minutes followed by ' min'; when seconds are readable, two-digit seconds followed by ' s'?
9 h 27 min
